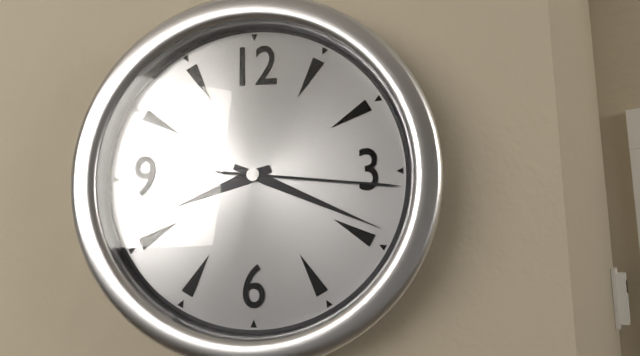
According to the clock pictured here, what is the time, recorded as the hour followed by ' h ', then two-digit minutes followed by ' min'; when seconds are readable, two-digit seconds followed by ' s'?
8 h 19 min 16 s
